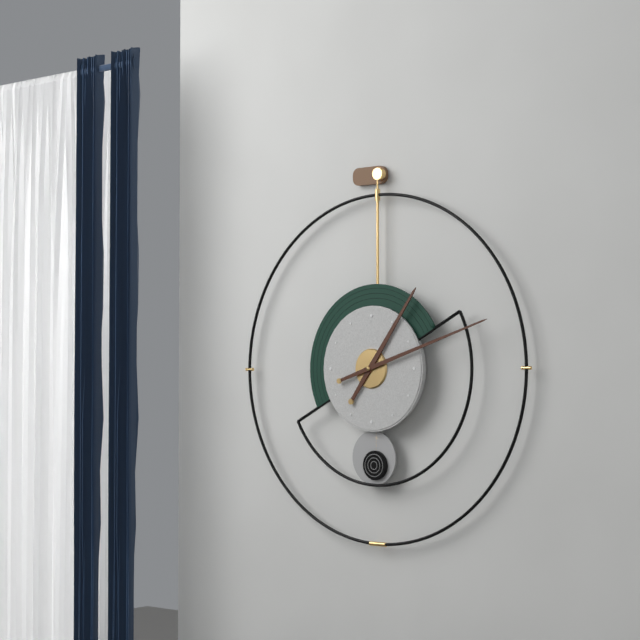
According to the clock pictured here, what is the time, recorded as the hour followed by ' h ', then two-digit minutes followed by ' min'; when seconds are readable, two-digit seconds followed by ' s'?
1 h 12 min
